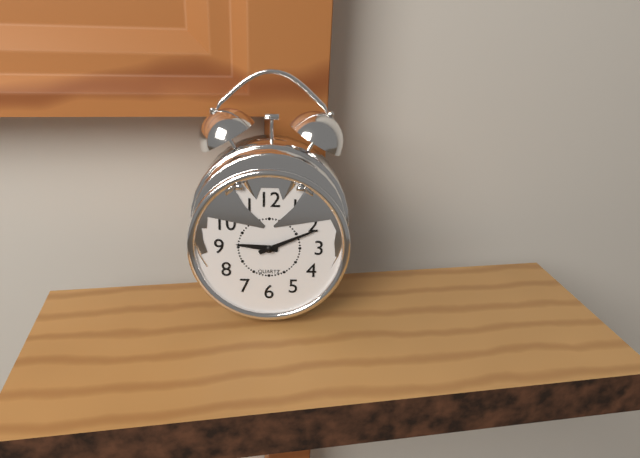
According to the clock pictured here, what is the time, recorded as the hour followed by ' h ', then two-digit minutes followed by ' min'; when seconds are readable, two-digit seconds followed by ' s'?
9 h 11 min
